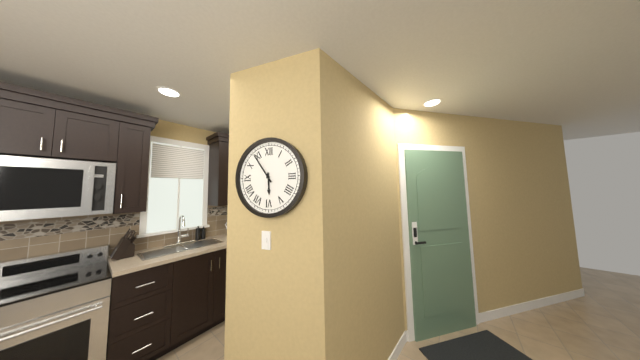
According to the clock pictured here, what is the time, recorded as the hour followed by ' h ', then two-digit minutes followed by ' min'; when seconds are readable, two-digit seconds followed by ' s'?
5 h 54 min
